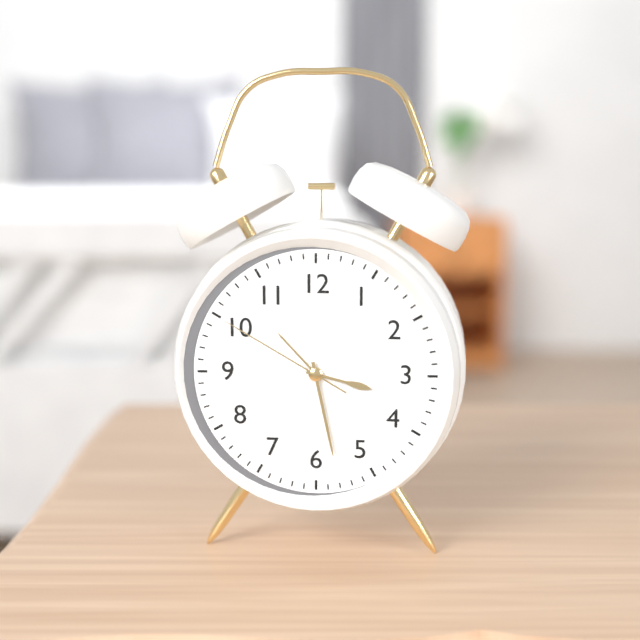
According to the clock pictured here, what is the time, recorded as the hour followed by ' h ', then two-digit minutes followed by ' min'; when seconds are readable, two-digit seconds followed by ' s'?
3 h 28 min 50 s
